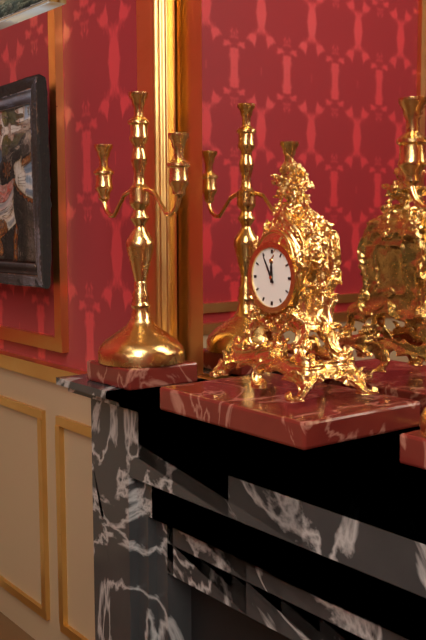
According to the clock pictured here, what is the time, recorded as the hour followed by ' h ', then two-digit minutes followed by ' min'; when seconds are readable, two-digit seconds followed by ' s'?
11 h 55 min
